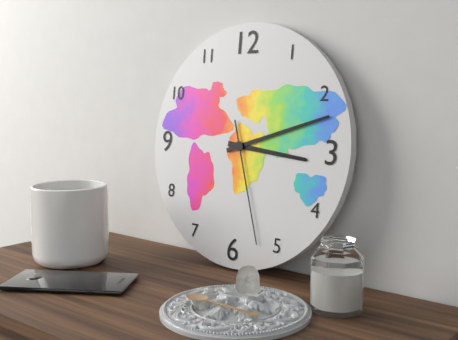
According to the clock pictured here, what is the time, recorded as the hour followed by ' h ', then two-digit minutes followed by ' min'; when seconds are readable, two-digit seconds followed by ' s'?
3 h 12 min 27 s
